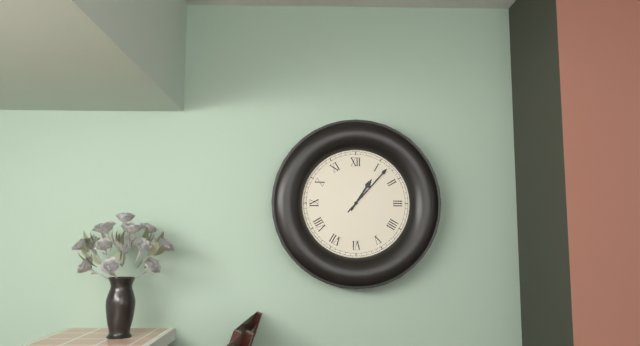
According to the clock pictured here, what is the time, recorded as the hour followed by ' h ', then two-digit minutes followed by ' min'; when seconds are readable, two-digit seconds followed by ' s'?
1 h 07 min
